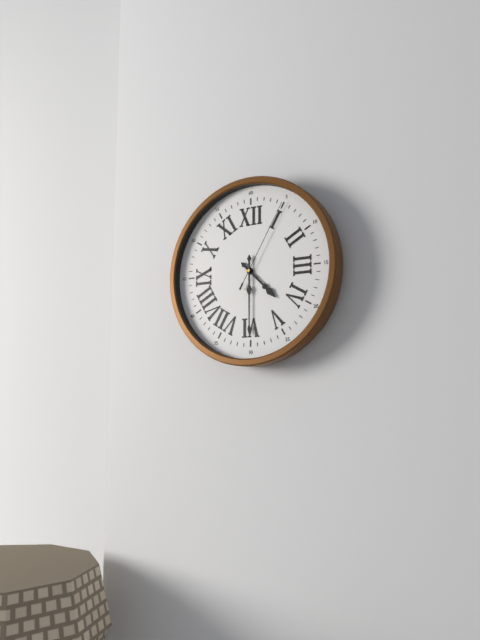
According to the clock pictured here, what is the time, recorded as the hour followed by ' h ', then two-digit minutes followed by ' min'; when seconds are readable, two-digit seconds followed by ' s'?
4 h 30 min 05 s
